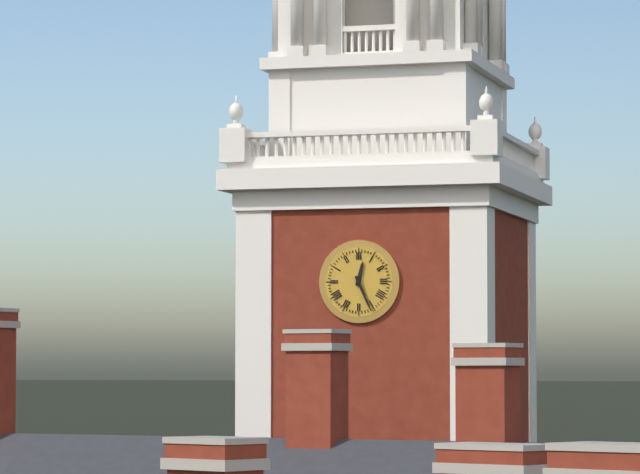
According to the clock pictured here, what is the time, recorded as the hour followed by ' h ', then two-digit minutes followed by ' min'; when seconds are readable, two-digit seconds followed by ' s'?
12 h 26 min
